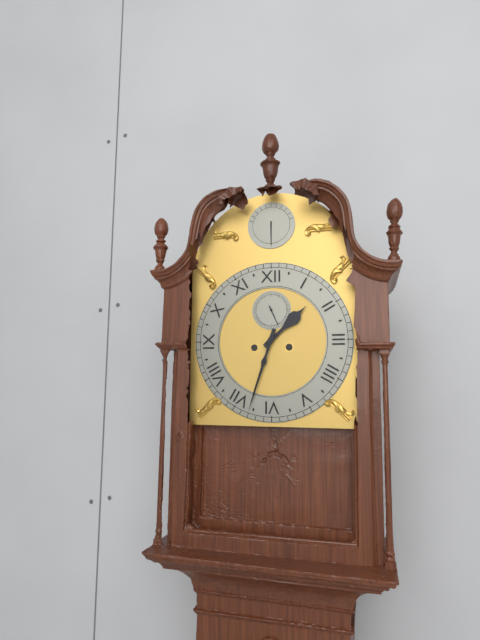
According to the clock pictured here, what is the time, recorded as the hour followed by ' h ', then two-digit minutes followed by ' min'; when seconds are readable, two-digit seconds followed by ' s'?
1 h 33 min
